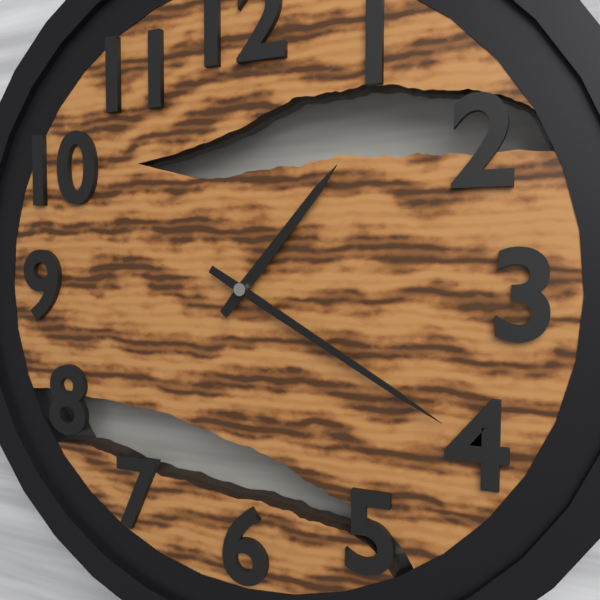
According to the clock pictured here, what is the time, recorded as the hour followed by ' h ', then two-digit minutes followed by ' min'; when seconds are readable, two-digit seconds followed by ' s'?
1 h 20 min
